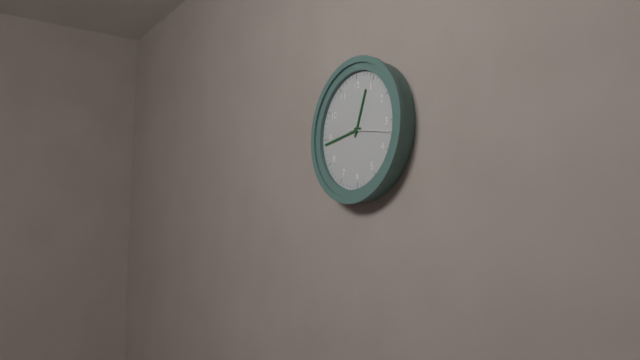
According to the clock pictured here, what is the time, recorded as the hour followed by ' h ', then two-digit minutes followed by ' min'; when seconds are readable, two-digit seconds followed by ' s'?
12 h 44 min
